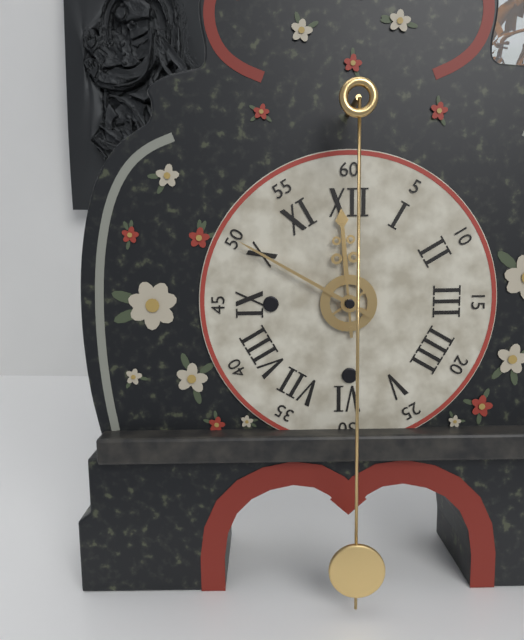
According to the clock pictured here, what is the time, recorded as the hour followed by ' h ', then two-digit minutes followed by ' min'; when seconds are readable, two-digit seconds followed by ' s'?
11 h 50 min
